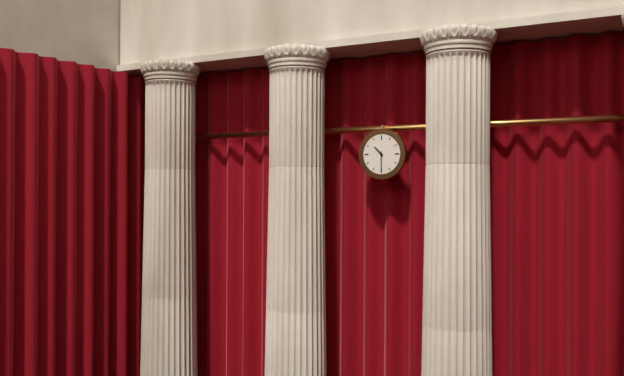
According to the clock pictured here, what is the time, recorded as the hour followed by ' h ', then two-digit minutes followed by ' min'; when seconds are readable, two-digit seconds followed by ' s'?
10 h 30 min
